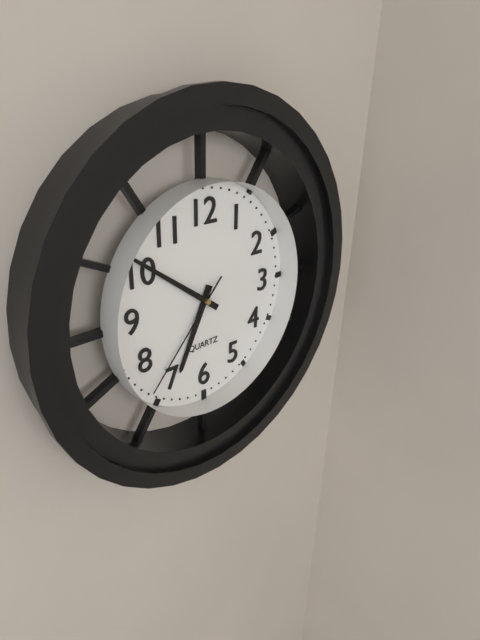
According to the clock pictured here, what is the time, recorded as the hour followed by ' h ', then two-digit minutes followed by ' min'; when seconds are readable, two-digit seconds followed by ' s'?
6 h 51 min 37 s
